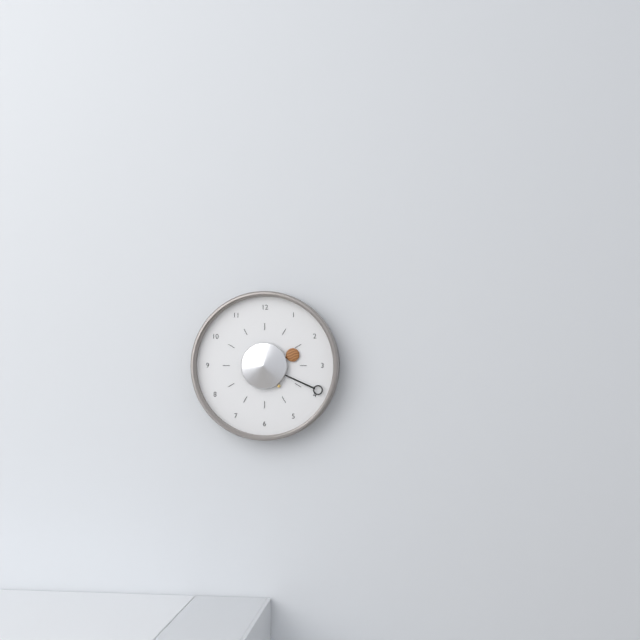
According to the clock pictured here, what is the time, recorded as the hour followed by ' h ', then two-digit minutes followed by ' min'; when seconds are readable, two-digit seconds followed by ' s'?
2 h 19 min
